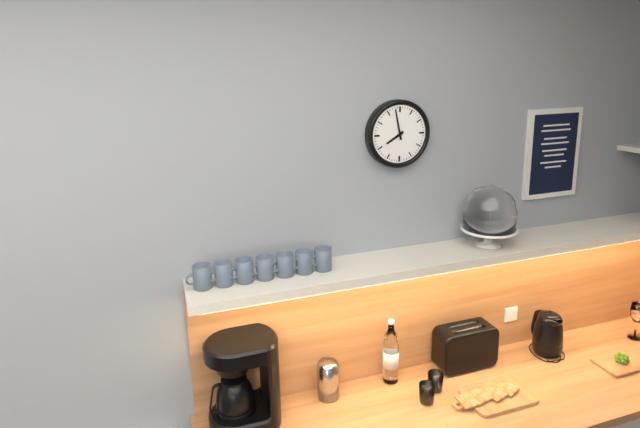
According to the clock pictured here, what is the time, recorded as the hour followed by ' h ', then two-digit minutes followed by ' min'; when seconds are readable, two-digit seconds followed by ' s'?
7 h 58 min
